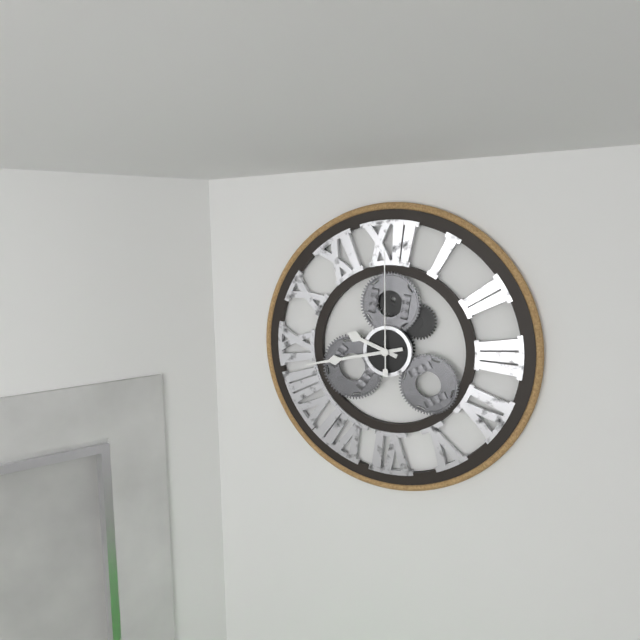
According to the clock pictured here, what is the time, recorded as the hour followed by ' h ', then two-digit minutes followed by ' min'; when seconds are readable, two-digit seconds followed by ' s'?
9 h 43 min 00 s
